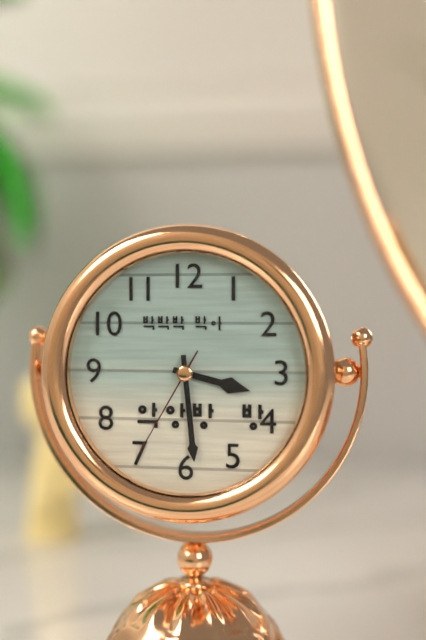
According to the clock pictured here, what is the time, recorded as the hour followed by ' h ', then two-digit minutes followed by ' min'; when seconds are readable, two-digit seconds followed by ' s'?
3 h 29 min 35 s
